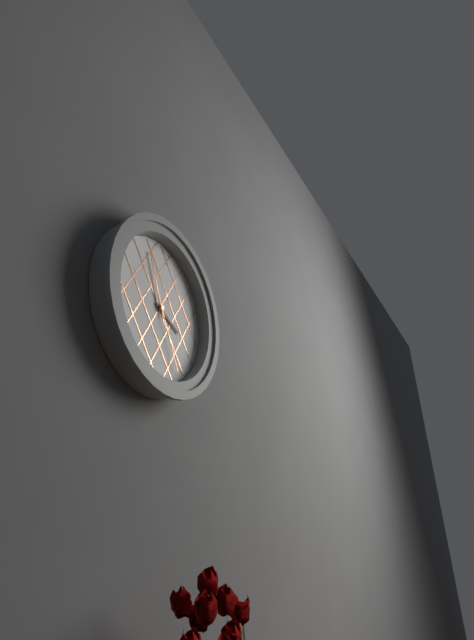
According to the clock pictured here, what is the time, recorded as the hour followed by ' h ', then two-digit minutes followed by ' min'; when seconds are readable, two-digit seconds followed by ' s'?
3 h 57 min 26 s
